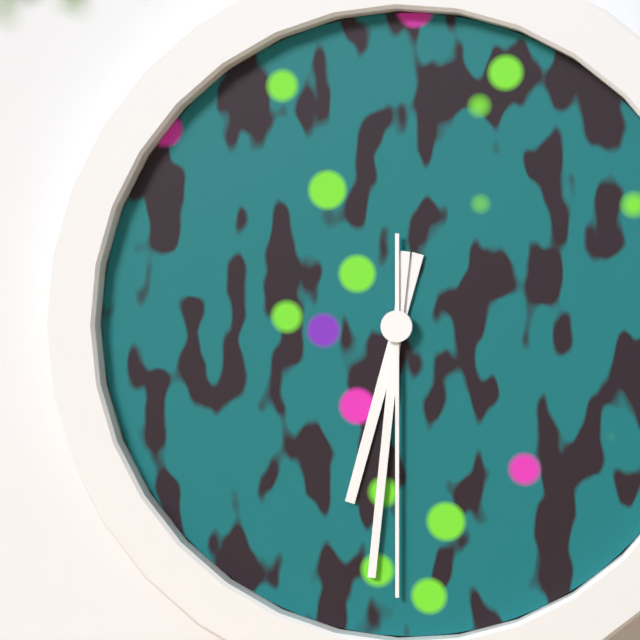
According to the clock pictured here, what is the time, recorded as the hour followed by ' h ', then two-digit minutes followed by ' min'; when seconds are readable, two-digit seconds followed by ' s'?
6 h 31 min 30 s
